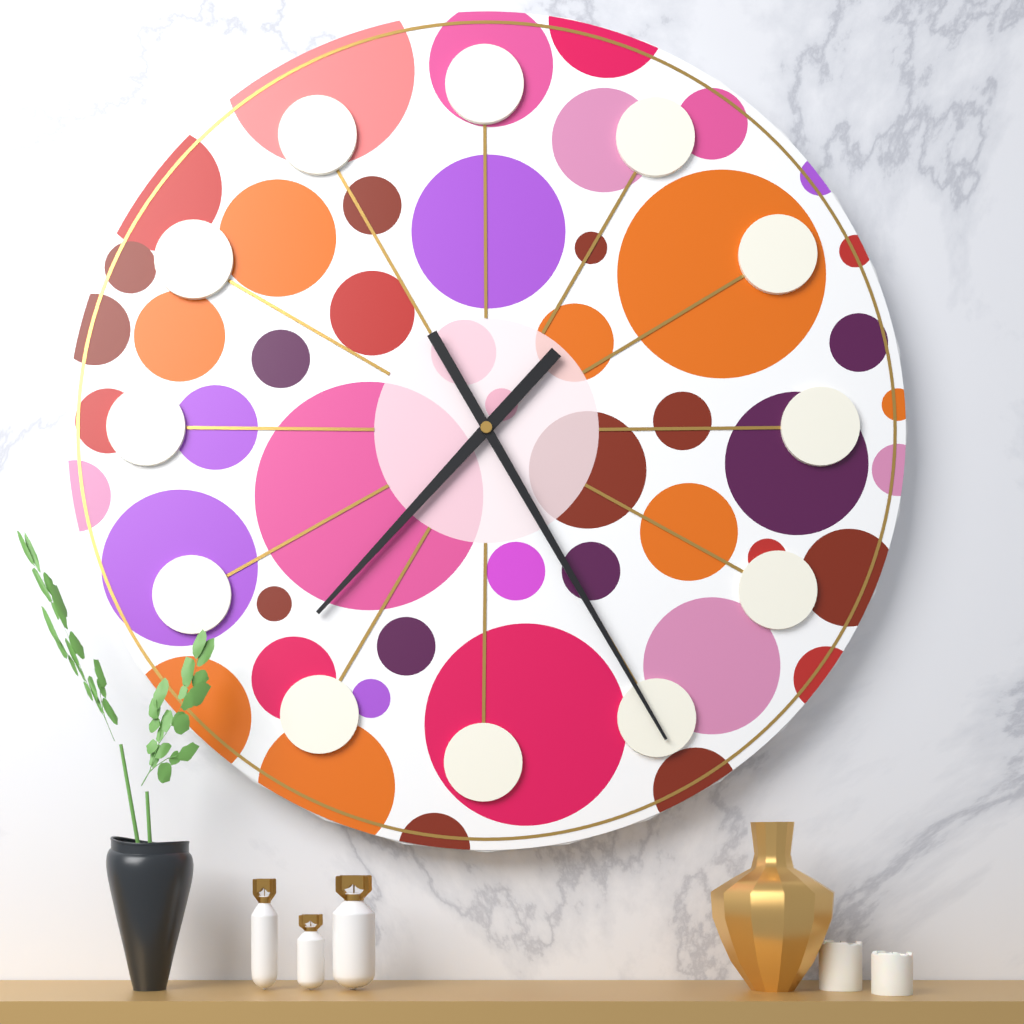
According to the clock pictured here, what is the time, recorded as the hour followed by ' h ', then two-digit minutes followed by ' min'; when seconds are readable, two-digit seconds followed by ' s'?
7 h 25 min
